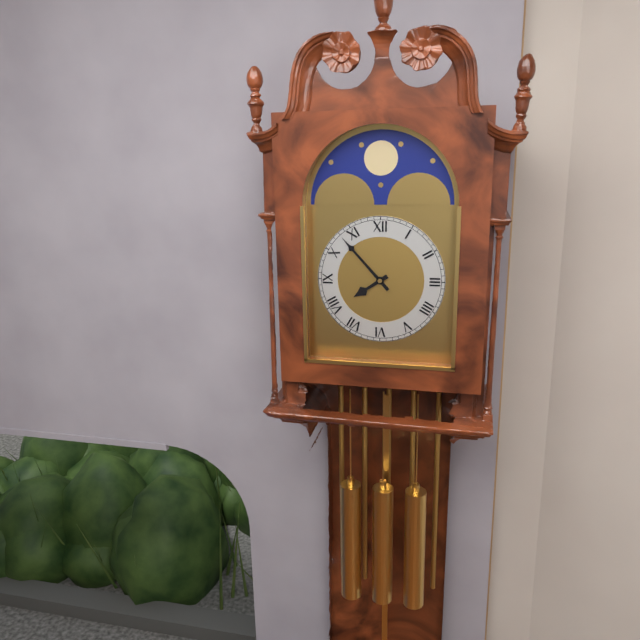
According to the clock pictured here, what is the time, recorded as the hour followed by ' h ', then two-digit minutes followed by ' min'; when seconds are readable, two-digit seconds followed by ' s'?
7 h 53 min
